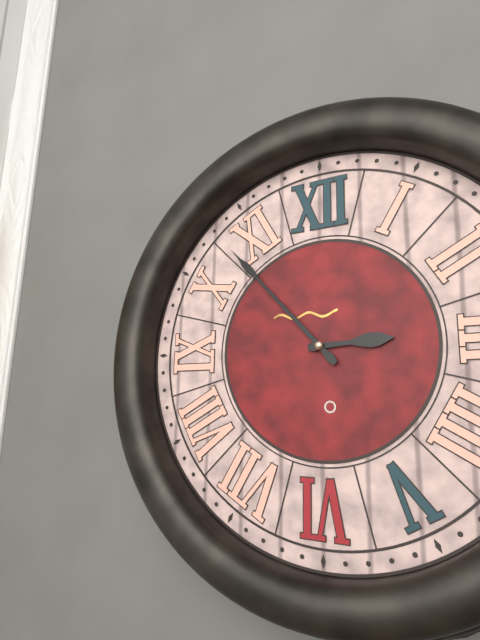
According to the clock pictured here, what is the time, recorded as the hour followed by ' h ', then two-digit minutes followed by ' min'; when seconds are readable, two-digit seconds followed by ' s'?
2 h 53 min
